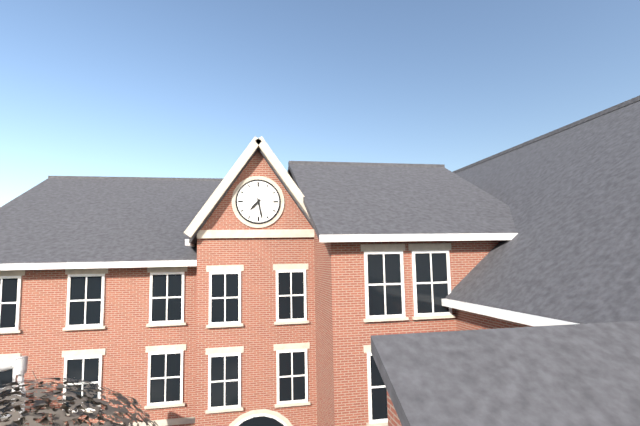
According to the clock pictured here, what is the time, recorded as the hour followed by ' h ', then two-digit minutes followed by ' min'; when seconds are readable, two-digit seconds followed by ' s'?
7 h 28 min
